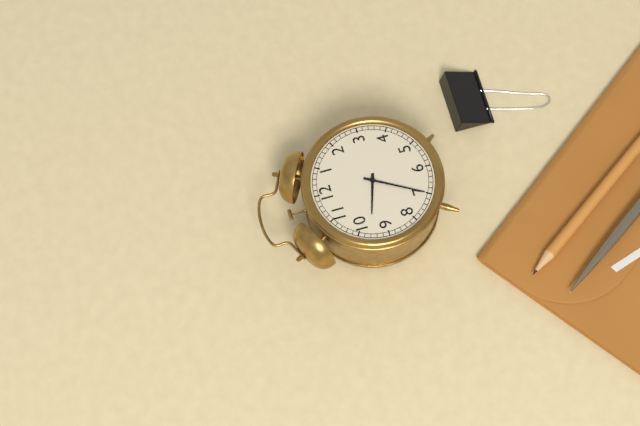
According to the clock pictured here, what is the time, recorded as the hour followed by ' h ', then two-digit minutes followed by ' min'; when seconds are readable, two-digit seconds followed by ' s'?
9 h 35 min
